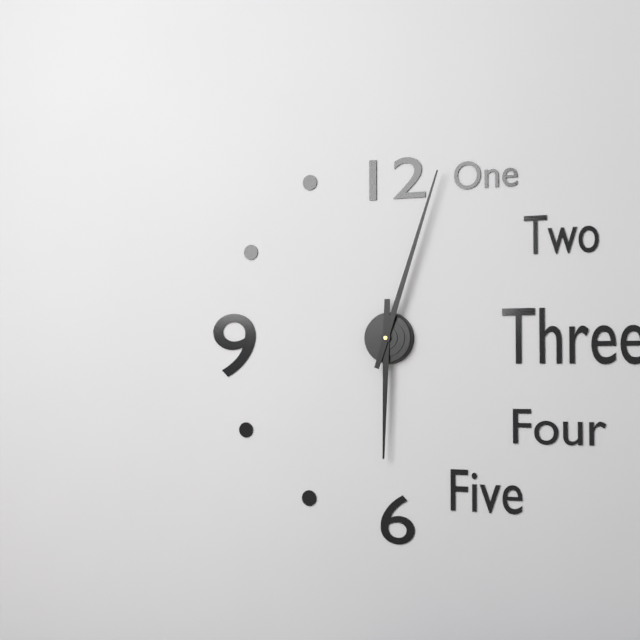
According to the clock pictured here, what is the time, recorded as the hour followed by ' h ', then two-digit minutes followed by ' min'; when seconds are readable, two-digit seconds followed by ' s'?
6 h 03 min
